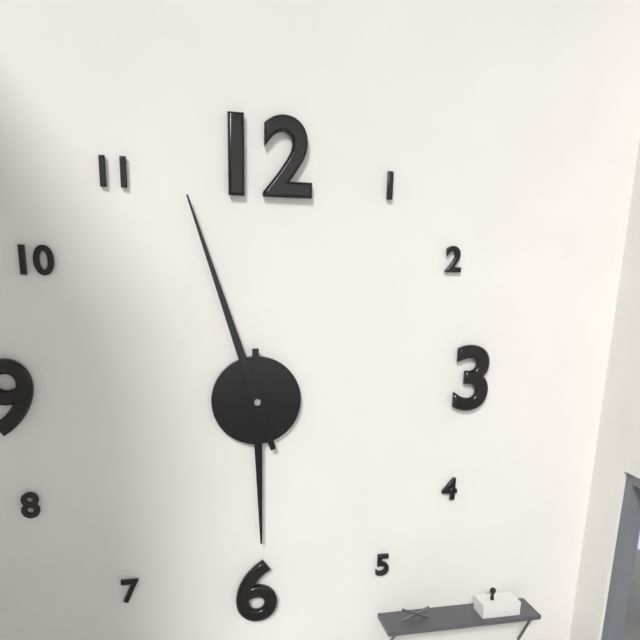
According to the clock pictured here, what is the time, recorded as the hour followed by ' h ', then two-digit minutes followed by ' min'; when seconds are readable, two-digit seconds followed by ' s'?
5 h 57 min
